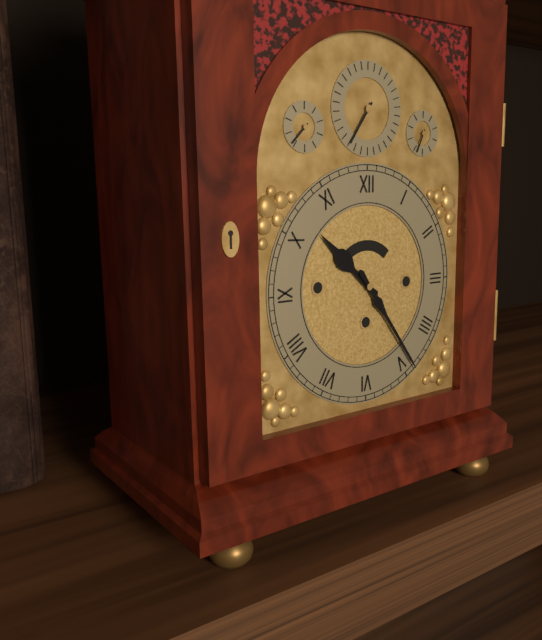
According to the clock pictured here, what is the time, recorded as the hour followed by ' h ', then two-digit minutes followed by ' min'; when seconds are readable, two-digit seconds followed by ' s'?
10 h 24 min
